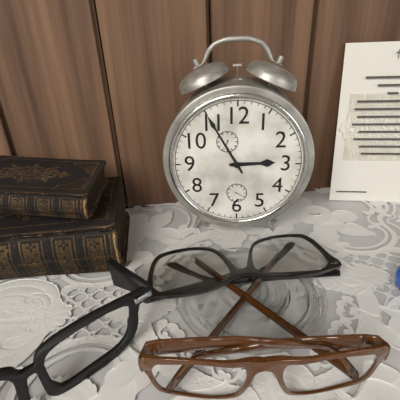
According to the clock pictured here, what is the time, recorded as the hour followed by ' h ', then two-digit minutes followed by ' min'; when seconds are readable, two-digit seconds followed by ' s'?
2 h 55 min
